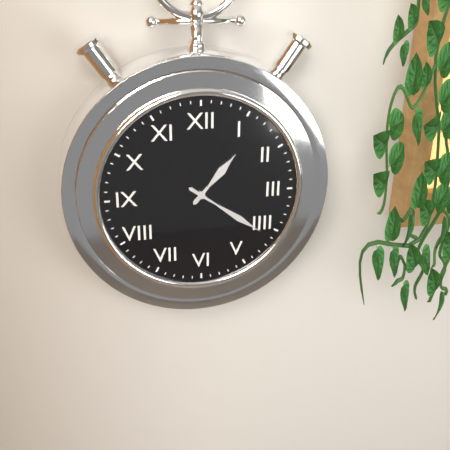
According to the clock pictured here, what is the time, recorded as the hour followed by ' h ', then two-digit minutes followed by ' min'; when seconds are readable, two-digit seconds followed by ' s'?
1 h 21 min
